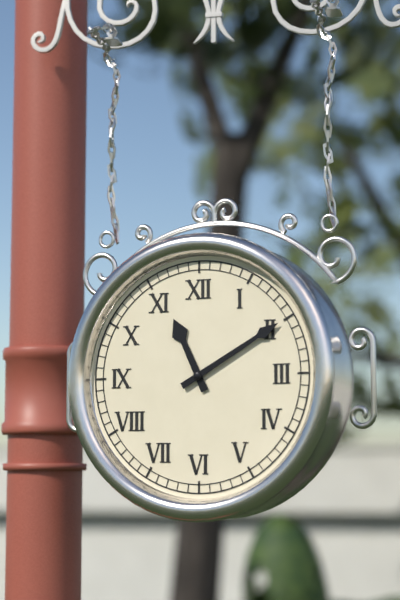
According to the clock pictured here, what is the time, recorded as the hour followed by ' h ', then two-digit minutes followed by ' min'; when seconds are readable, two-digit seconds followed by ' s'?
11 h 10 min
